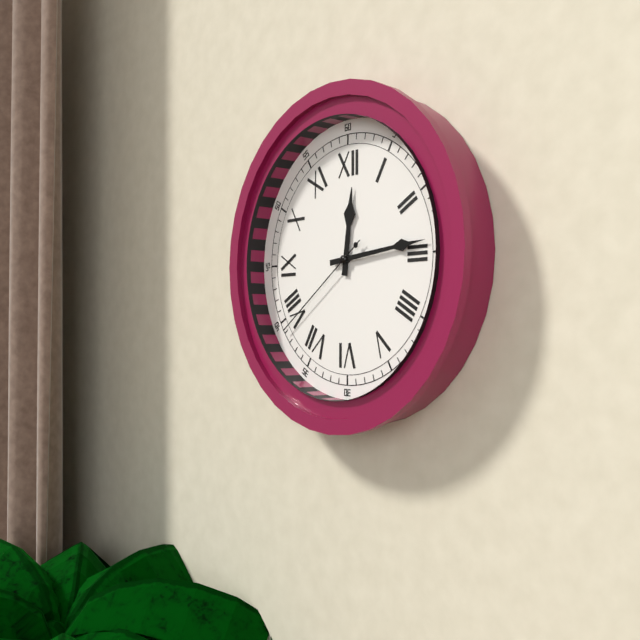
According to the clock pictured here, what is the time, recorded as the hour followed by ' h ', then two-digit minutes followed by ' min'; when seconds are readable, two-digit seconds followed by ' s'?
12 h 14 min 39 s
